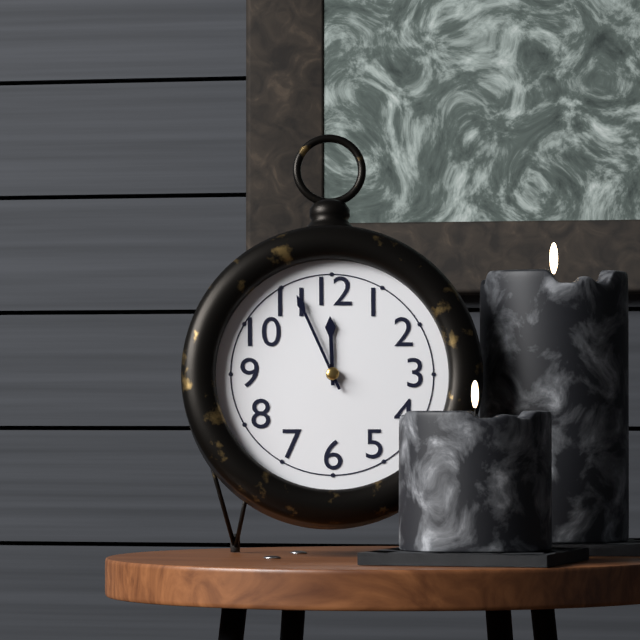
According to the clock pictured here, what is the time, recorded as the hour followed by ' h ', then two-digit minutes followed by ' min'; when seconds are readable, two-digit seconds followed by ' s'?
11 h 56 min
